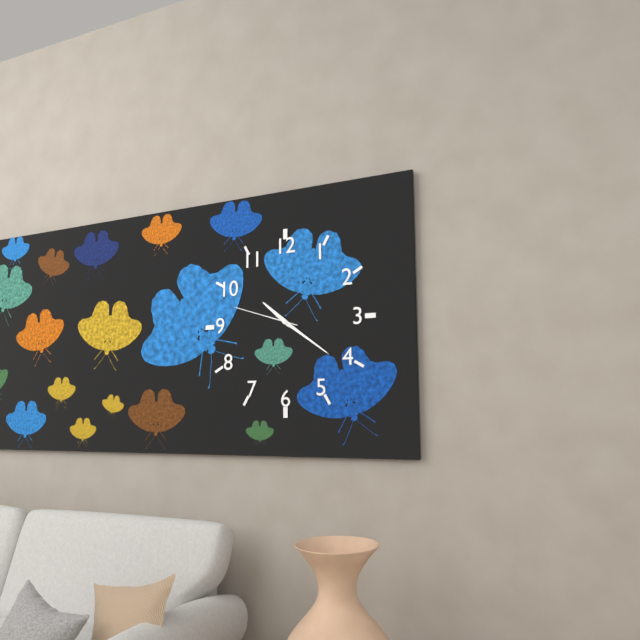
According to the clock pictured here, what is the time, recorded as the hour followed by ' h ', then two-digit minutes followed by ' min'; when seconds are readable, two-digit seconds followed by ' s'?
10 h 21 min 48 s
